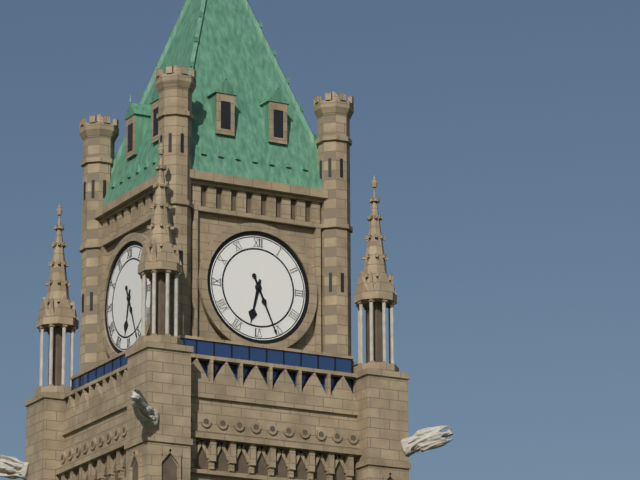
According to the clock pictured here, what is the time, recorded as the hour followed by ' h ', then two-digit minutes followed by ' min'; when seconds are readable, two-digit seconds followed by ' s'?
6 h 26 min
